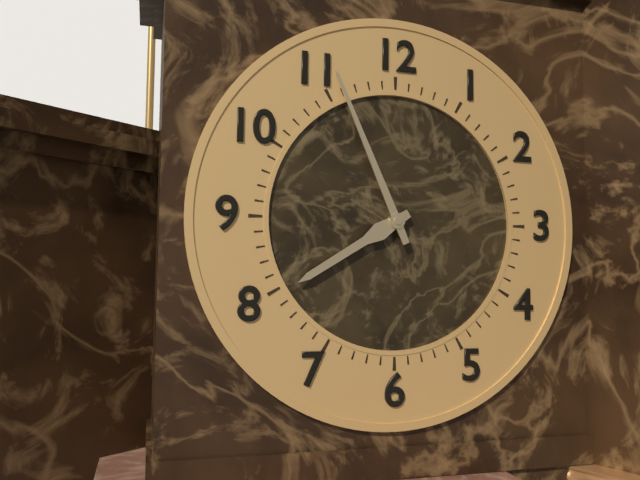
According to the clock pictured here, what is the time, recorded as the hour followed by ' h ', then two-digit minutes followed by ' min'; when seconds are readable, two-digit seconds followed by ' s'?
7 h 56 min
